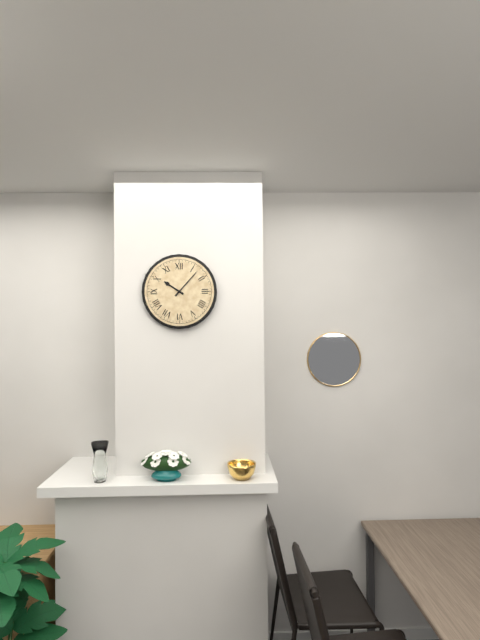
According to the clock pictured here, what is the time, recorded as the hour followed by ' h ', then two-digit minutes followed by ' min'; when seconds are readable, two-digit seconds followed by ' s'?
10 h 07 min
